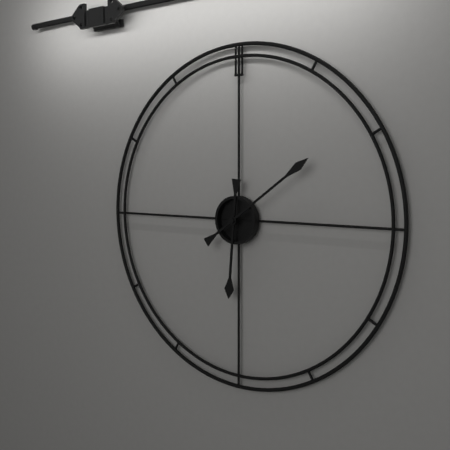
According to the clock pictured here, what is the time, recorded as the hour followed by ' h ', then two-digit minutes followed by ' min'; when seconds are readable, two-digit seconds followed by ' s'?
6 h 09 min
